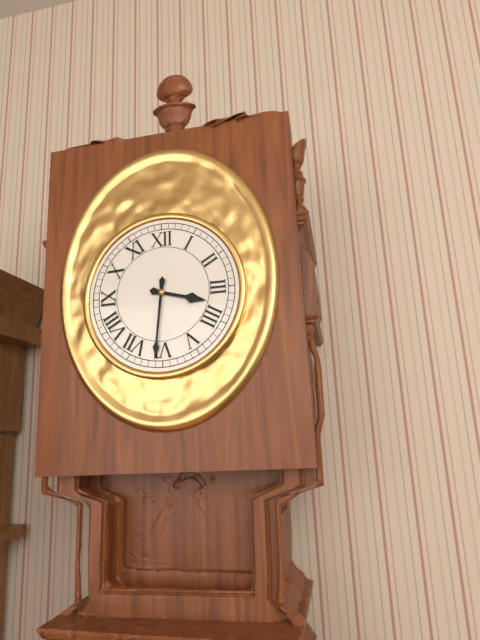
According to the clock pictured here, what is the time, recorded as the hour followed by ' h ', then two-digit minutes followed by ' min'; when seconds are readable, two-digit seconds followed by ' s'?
3 h 31 min
